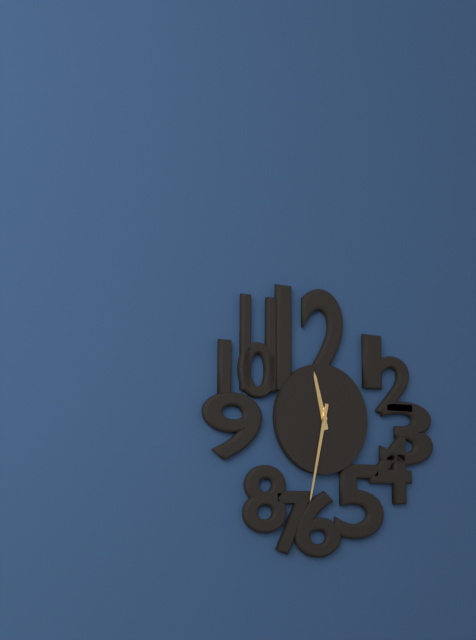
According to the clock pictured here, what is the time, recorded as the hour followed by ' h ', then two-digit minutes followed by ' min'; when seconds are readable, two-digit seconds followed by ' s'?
11 h 32 min
